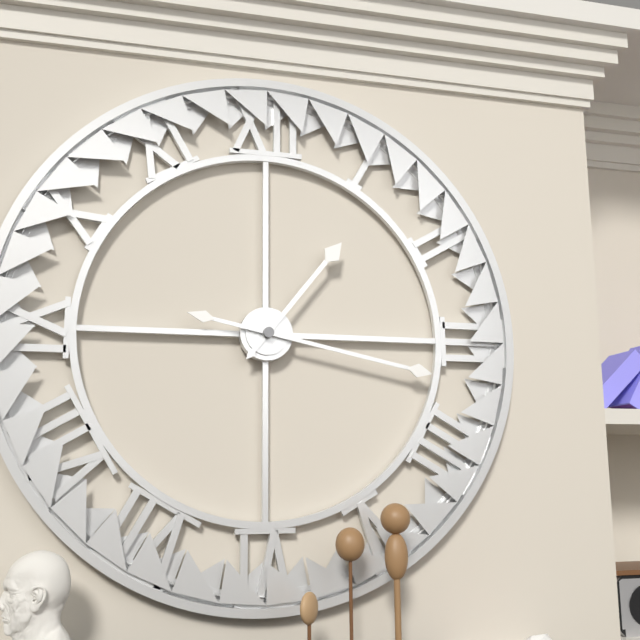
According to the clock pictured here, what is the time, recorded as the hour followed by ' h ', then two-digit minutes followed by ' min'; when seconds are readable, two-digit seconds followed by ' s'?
1 h 17 min
